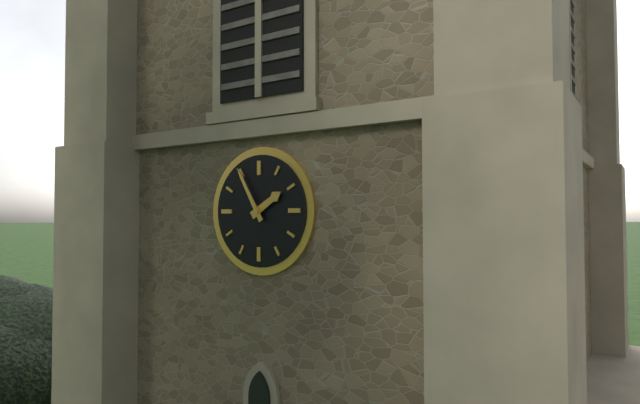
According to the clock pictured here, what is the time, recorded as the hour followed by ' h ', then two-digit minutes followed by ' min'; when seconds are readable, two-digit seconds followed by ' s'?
1 h 55 min
